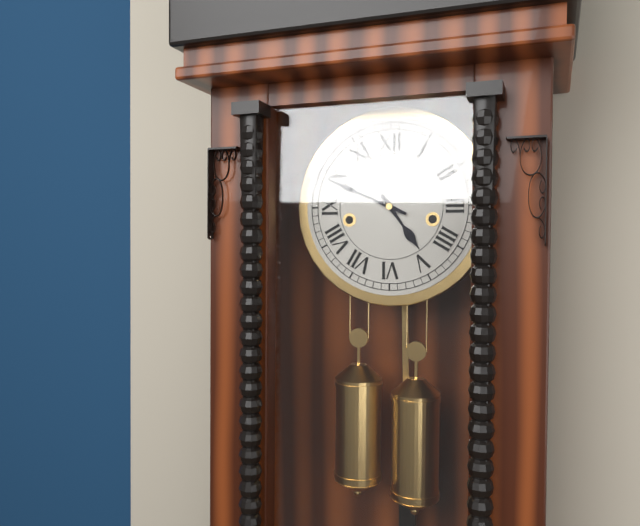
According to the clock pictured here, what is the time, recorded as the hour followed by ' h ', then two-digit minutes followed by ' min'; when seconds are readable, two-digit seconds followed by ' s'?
4 h 49 min
